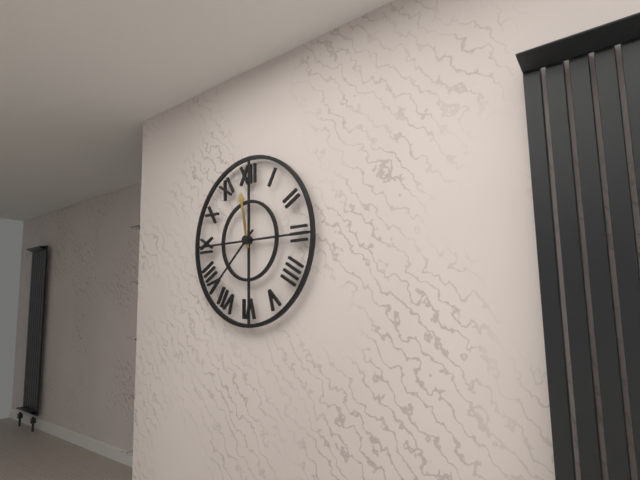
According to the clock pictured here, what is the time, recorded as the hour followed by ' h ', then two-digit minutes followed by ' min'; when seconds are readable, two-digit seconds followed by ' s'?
11 h 38 min
